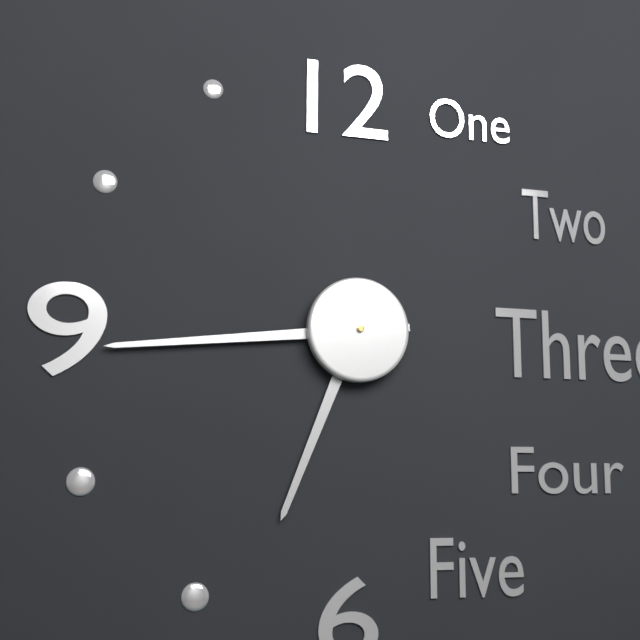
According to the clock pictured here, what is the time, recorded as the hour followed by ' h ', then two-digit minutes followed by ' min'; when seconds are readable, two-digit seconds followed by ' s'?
6 h 44 min
